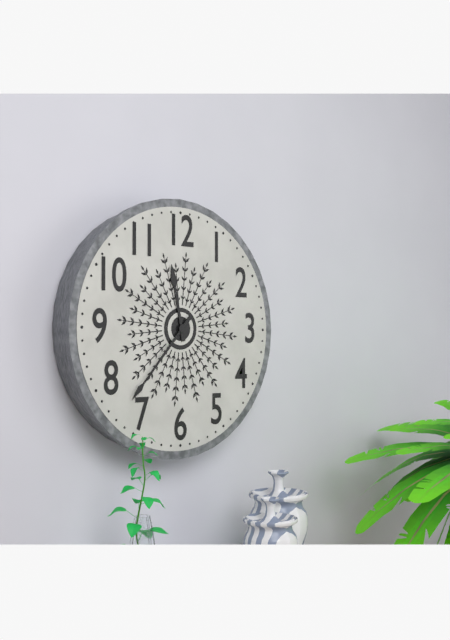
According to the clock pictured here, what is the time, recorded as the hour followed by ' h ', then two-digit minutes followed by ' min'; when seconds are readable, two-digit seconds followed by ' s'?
11 h 37 min
